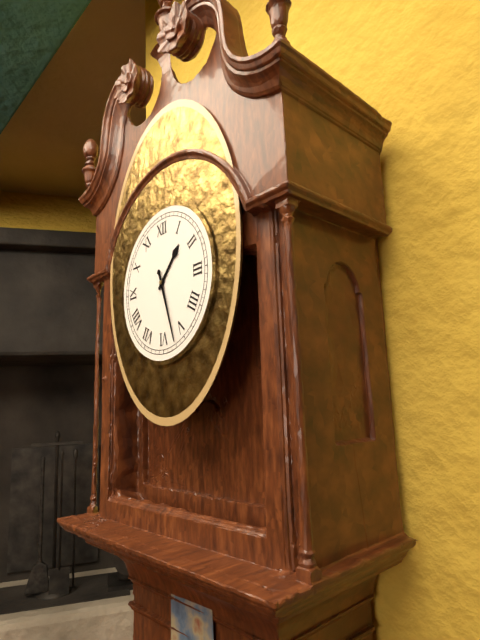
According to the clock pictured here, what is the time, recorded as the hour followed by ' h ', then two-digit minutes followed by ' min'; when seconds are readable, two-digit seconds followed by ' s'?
1 h 27 min
